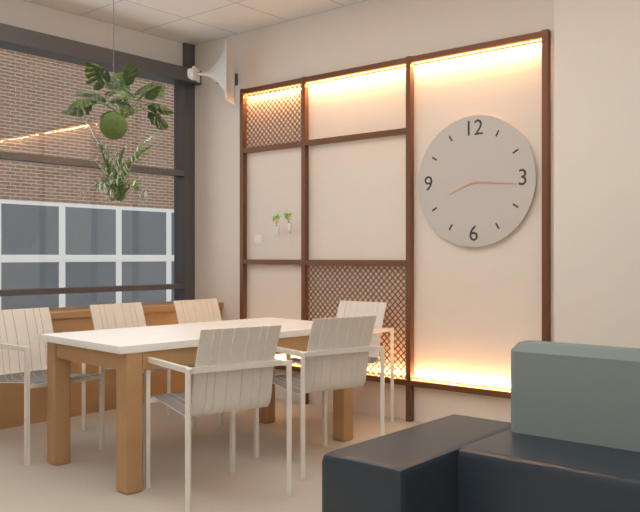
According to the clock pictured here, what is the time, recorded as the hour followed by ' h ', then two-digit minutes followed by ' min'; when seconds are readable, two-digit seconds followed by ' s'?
8 h 16 min
